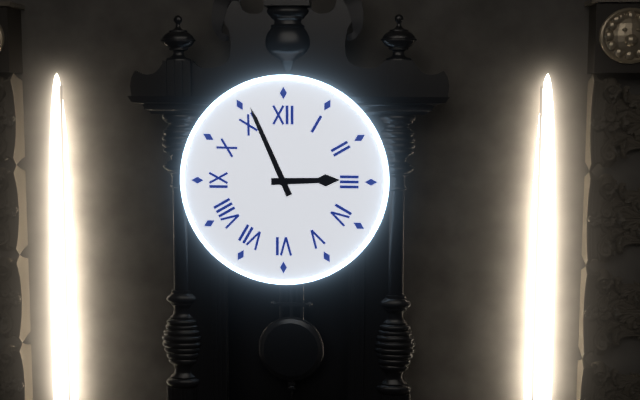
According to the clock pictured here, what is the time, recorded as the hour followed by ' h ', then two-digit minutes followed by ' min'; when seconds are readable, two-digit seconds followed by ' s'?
2 h 56 min
